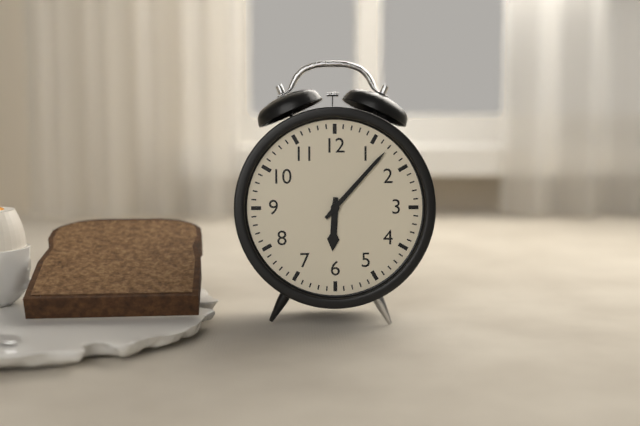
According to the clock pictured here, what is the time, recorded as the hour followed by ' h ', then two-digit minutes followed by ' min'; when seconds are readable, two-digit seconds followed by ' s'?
6 h 07 min
